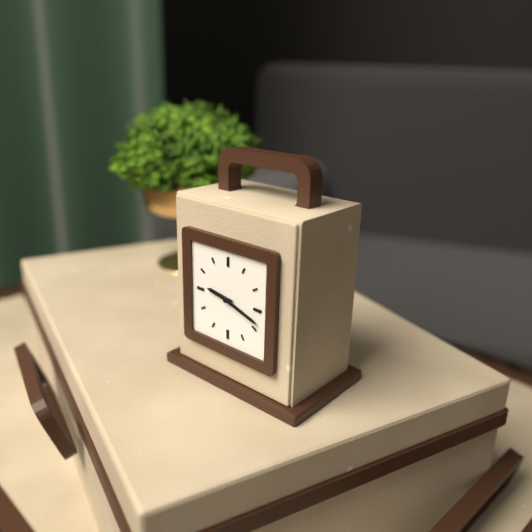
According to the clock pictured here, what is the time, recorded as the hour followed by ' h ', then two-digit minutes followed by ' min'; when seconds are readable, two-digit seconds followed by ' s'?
9 h 18 min
